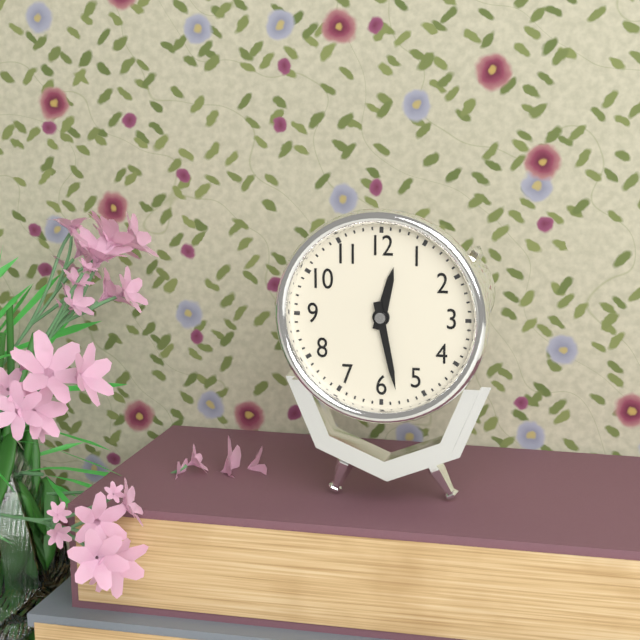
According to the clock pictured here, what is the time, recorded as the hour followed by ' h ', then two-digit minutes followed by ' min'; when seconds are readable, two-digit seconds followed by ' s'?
12 h 28 min
